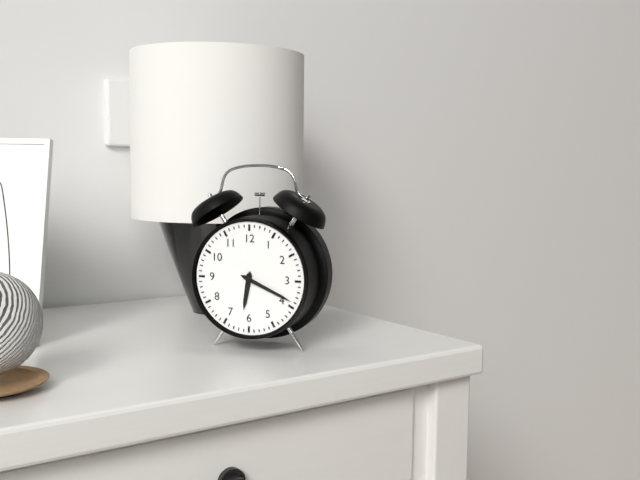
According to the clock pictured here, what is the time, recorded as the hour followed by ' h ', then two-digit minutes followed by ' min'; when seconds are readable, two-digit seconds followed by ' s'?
6 h 19 min
